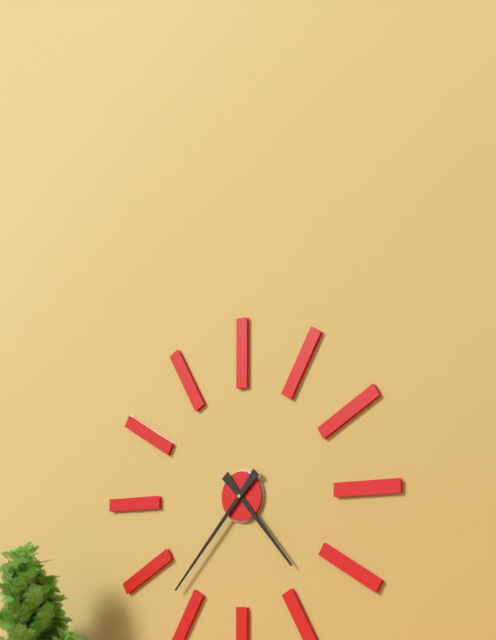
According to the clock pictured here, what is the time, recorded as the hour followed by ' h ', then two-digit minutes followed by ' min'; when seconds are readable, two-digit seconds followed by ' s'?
4 h 37 min
